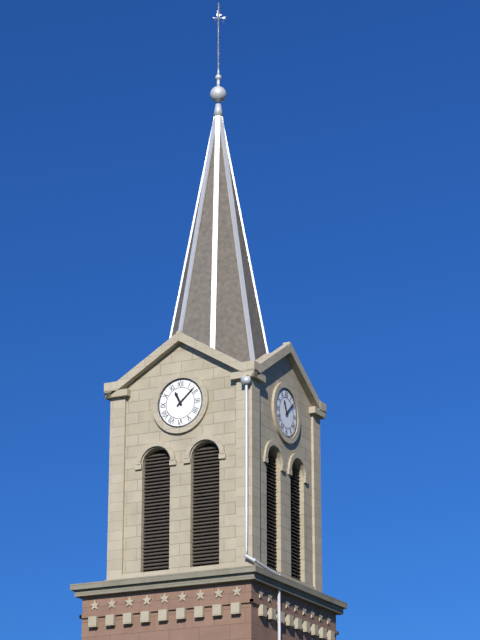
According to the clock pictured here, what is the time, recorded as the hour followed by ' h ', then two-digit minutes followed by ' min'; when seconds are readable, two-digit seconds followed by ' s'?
11 h 08 min
